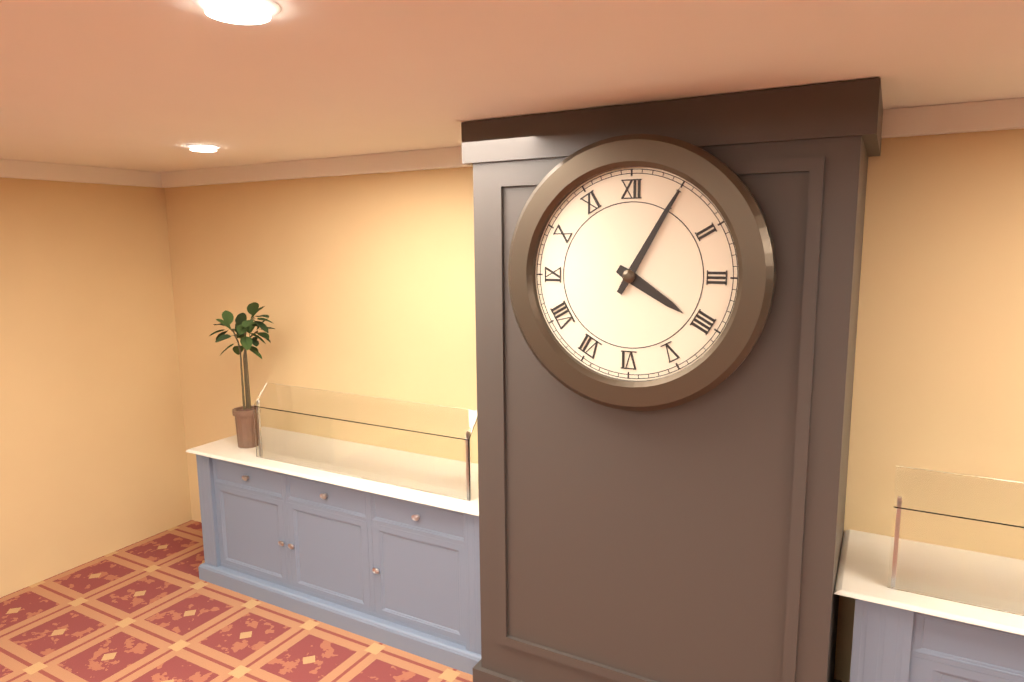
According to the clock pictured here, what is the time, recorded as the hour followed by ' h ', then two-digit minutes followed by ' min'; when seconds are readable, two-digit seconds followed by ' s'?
4 h 05 min
